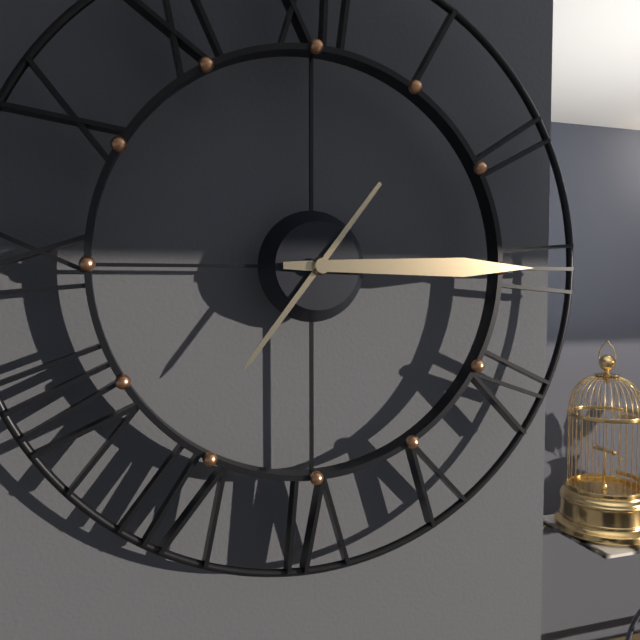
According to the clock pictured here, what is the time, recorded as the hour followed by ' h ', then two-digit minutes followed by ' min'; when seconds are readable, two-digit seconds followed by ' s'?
7 h 15 min
